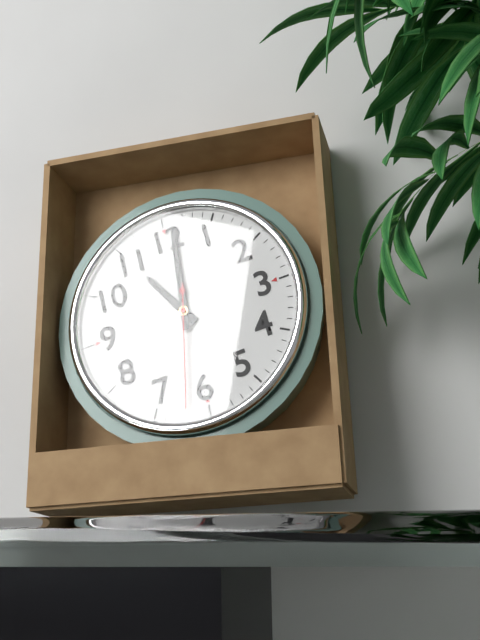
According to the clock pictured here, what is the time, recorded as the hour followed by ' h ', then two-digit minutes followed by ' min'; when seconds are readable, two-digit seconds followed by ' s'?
11 h 01 min 32 s
